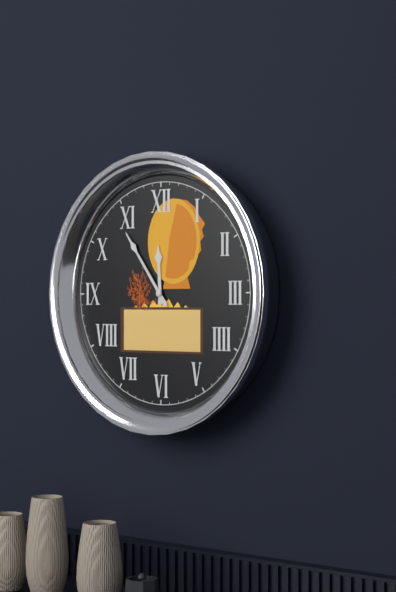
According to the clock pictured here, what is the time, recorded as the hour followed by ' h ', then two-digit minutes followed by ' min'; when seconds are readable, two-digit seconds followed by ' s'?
11 h 54 min
